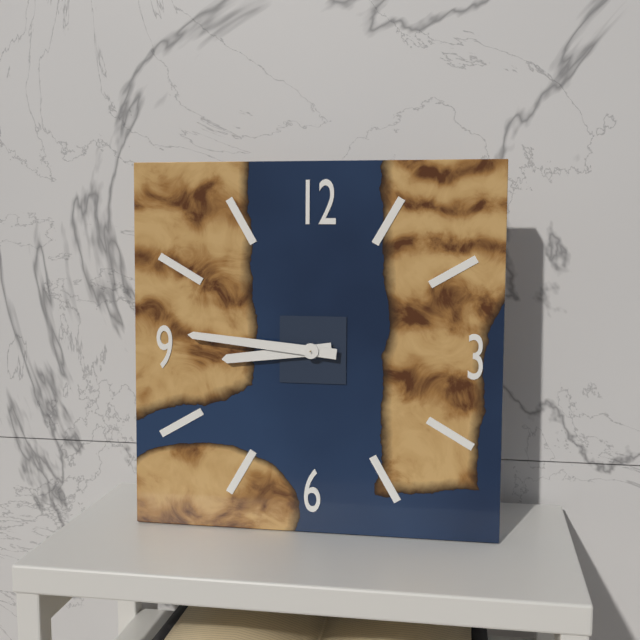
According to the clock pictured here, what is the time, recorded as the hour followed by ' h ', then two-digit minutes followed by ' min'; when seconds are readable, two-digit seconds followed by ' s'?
8 h 46 min
